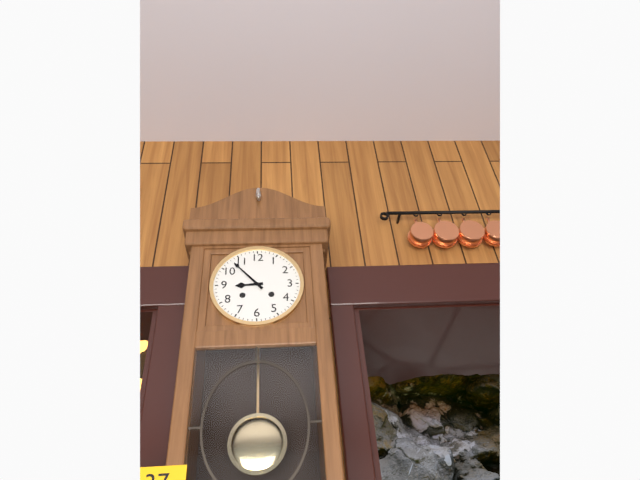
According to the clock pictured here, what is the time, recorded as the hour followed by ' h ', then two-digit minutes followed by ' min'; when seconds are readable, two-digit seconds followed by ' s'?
8 h 53 min
